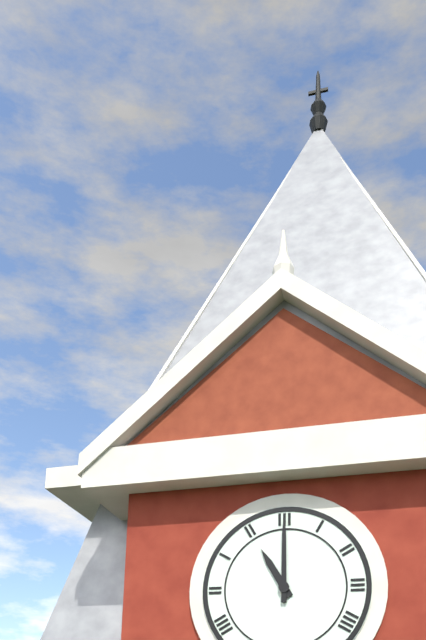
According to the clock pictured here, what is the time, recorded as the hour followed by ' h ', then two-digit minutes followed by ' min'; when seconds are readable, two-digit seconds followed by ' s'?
11 h 00 min
